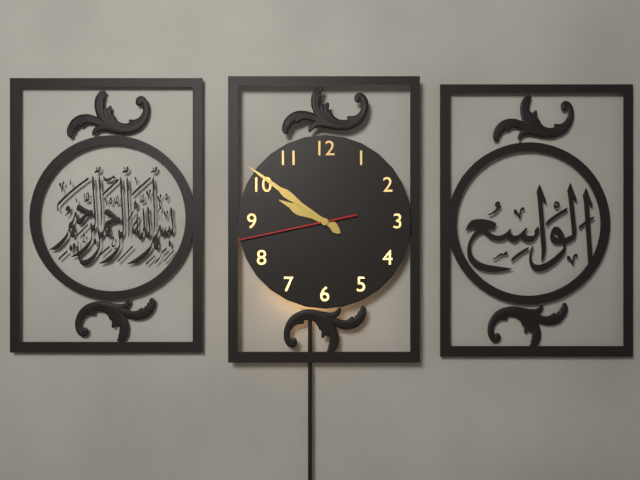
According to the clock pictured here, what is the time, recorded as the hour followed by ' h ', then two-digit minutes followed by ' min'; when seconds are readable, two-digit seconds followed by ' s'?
9 h 51 min 43 s
